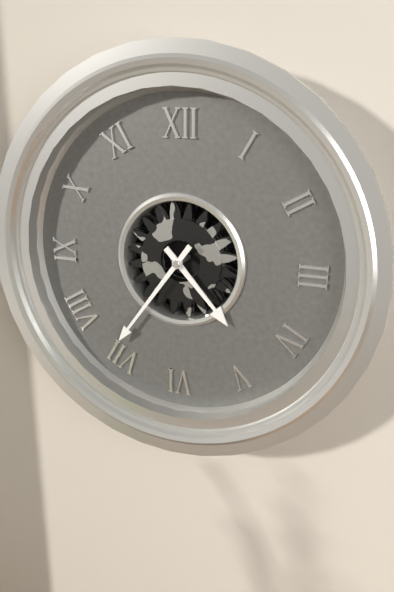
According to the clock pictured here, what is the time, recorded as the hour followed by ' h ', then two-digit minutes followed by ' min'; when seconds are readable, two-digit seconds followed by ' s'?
4 h 36 min
